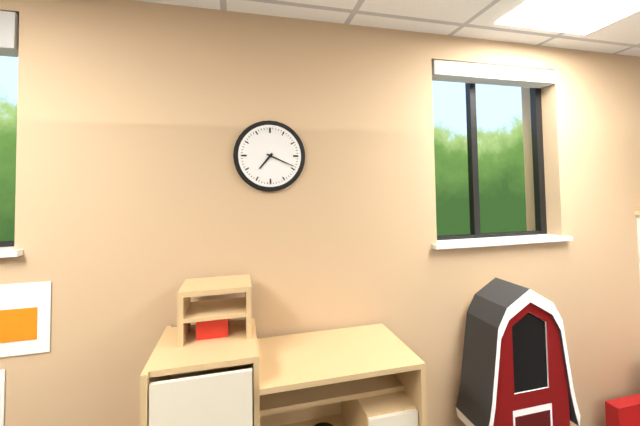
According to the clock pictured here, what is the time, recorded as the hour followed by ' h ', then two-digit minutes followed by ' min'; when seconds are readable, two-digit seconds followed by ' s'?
7 h 19 min
